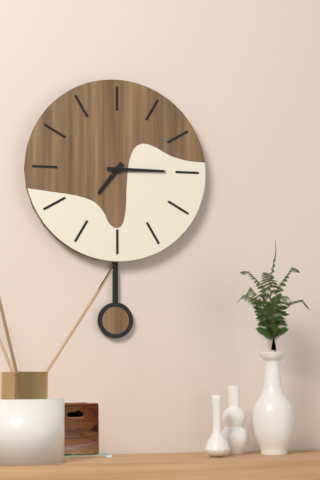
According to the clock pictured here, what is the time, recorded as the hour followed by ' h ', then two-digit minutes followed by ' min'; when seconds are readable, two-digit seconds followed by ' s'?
7 h 15 min
